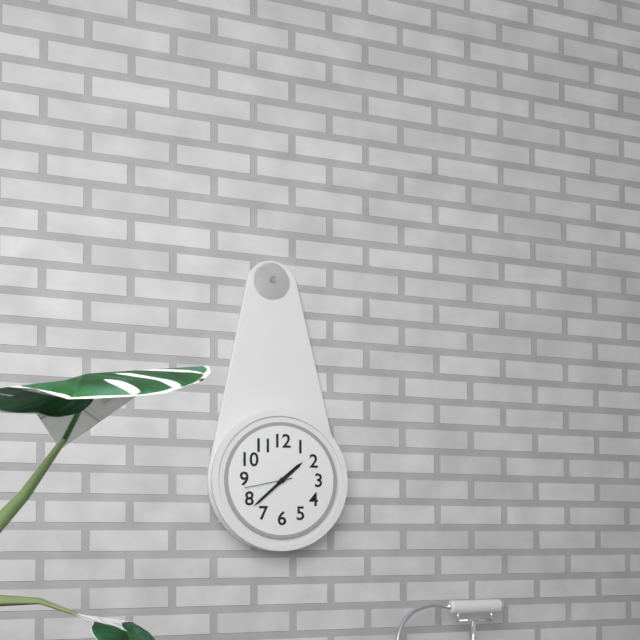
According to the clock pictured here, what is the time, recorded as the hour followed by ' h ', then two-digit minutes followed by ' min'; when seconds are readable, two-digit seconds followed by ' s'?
1 h 38 min
